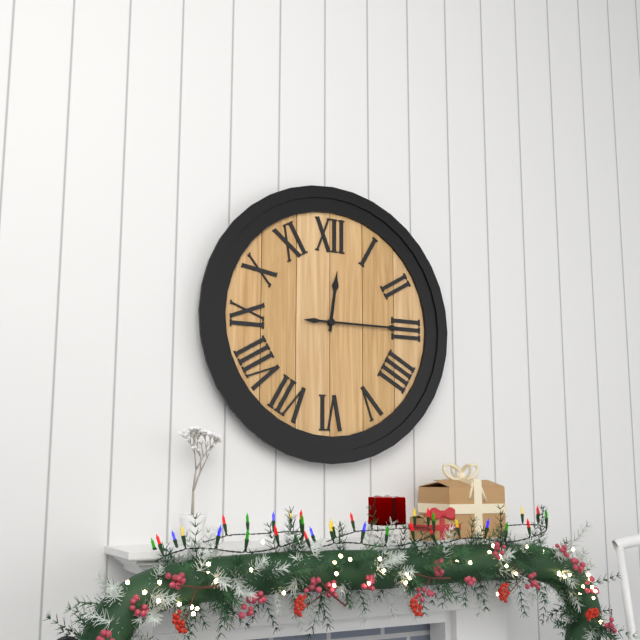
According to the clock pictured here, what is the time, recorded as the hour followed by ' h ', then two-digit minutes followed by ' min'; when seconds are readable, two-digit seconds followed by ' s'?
12 h 15 min
